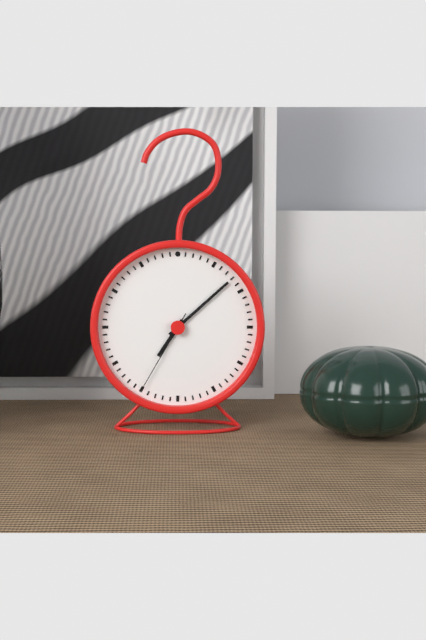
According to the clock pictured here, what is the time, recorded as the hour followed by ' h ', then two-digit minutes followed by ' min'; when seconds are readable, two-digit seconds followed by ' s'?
7 h 08 min 35 s
